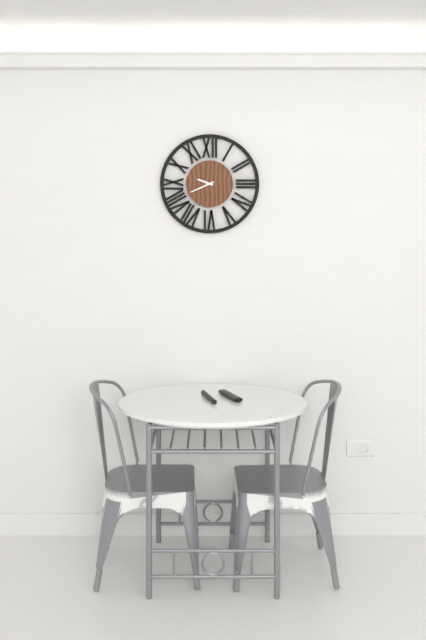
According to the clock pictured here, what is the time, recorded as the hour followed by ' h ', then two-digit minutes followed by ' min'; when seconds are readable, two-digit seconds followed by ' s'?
9 h 41 min
